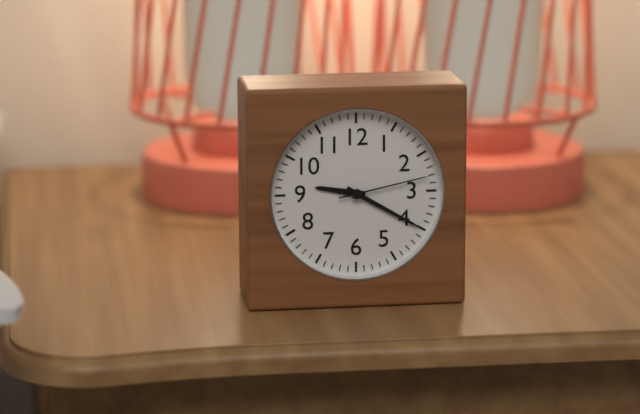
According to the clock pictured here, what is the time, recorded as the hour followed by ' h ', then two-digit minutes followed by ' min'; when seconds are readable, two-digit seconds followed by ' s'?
9 h 20 min 13 s
